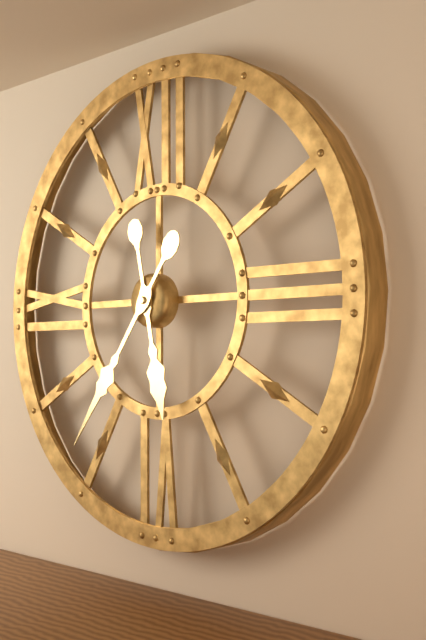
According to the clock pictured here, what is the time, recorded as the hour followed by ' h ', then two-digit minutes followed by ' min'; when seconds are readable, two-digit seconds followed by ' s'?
5 h 36 min
